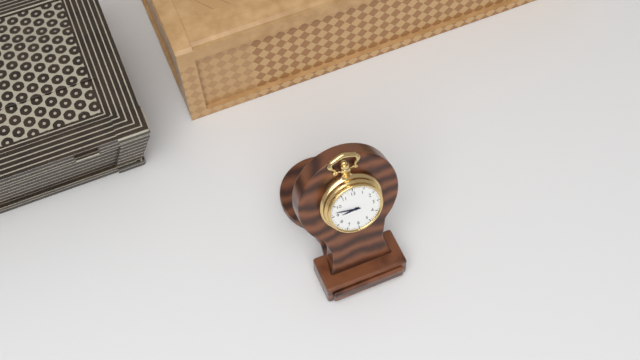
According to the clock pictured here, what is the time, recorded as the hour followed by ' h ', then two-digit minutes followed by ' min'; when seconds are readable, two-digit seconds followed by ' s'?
8 h 47 min
